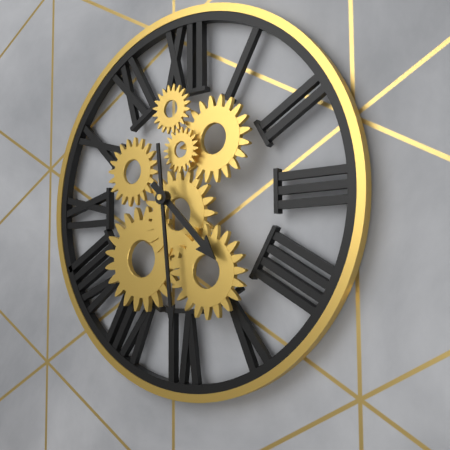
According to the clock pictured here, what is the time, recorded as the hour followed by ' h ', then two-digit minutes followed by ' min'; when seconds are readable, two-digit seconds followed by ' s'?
4 h 29 min
